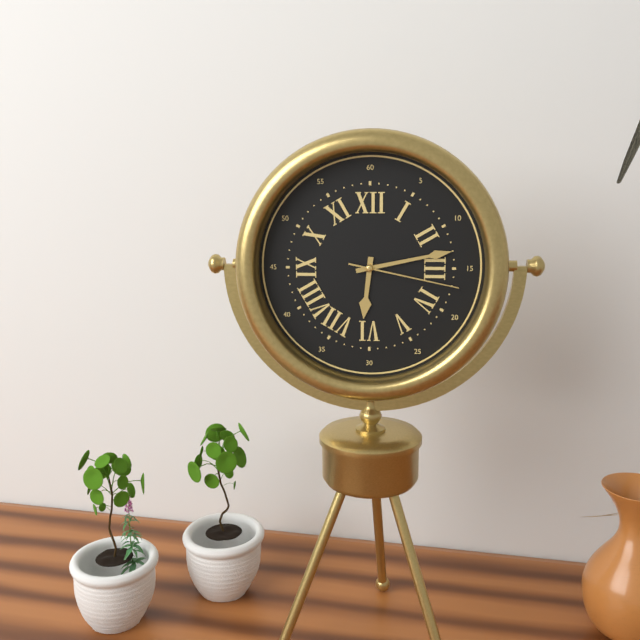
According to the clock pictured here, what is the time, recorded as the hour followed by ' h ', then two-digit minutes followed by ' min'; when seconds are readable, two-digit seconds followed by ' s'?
6 h 13 min 17 s
